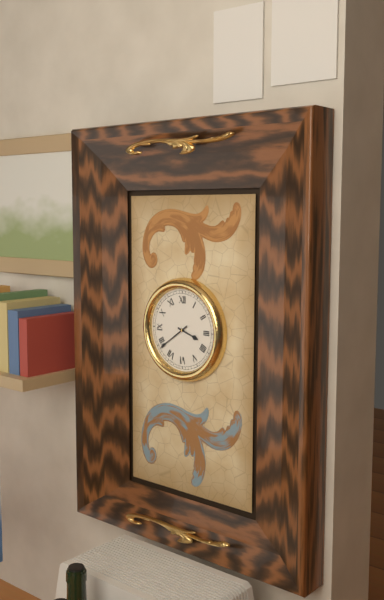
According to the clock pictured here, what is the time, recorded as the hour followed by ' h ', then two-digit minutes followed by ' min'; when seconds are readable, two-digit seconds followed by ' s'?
3 h 39 min
